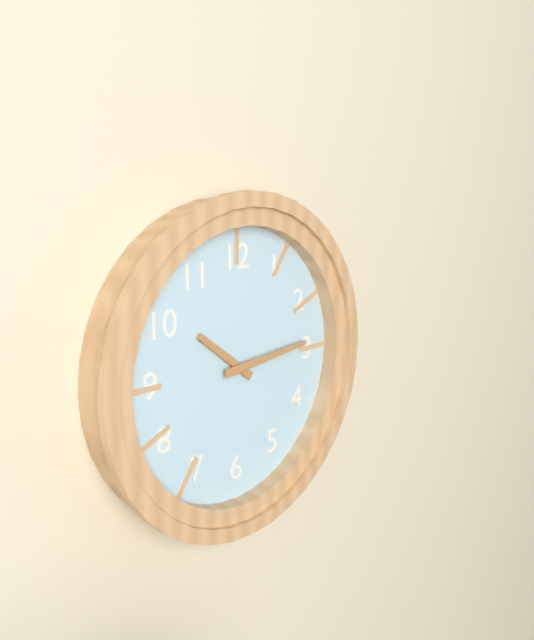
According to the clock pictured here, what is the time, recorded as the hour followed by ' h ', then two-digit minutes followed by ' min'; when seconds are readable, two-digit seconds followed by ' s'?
10 h 14 min
